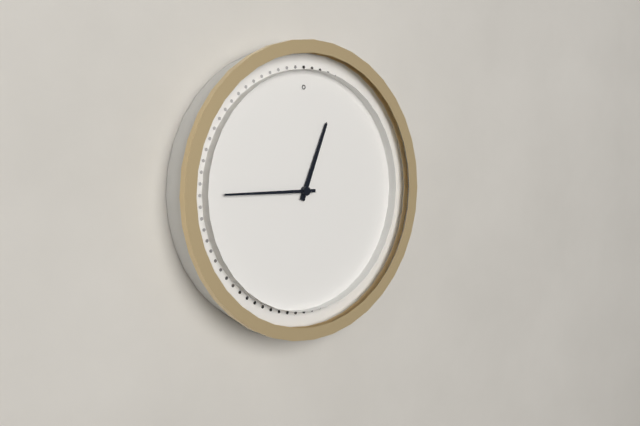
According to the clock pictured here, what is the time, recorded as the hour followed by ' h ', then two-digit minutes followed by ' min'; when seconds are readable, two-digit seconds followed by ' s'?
12 h 45 min
